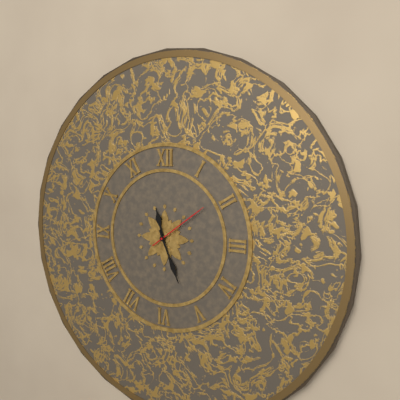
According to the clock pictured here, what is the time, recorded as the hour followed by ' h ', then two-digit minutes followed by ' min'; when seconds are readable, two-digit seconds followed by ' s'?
11 h 26 min 09 s
